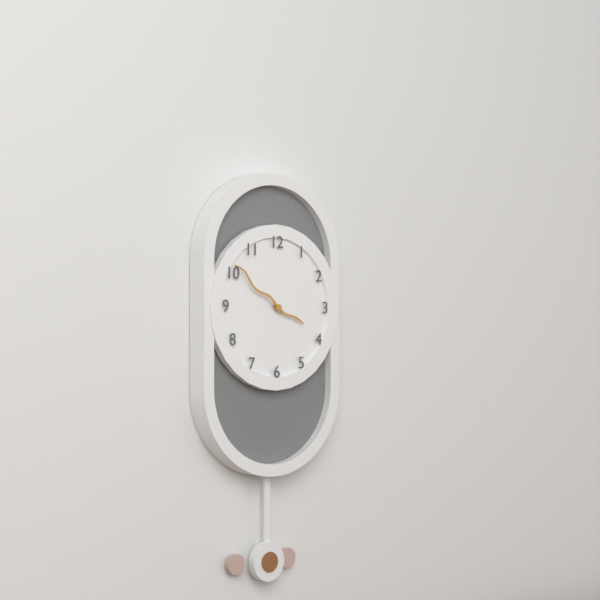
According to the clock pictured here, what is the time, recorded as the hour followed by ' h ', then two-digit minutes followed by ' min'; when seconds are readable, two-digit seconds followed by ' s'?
3 h 51 min
